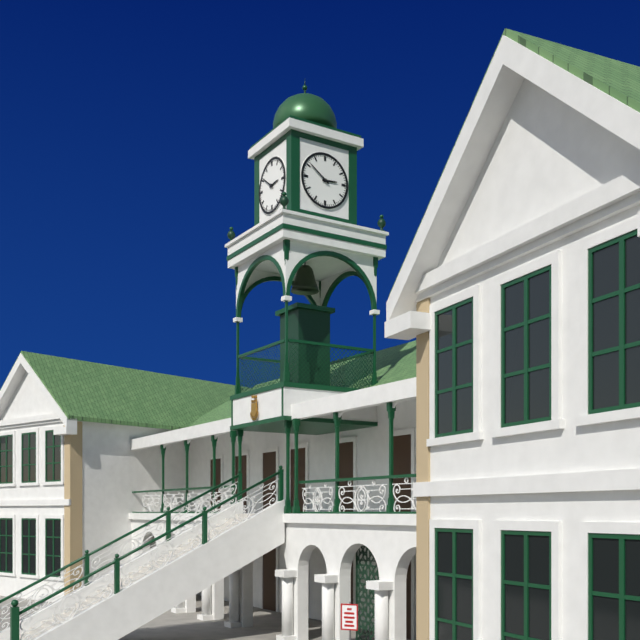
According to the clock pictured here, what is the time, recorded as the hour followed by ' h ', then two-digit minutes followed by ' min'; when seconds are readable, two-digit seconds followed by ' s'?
2 h 51 min
